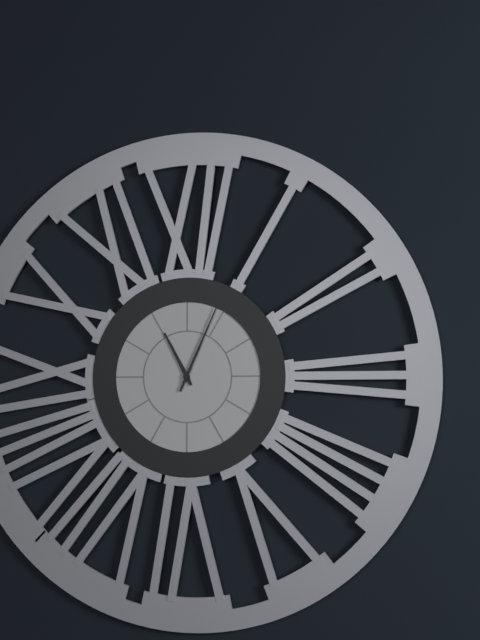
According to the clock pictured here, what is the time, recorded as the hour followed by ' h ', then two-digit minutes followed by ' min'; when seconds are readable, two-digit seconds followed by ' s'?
11 h 04 min
